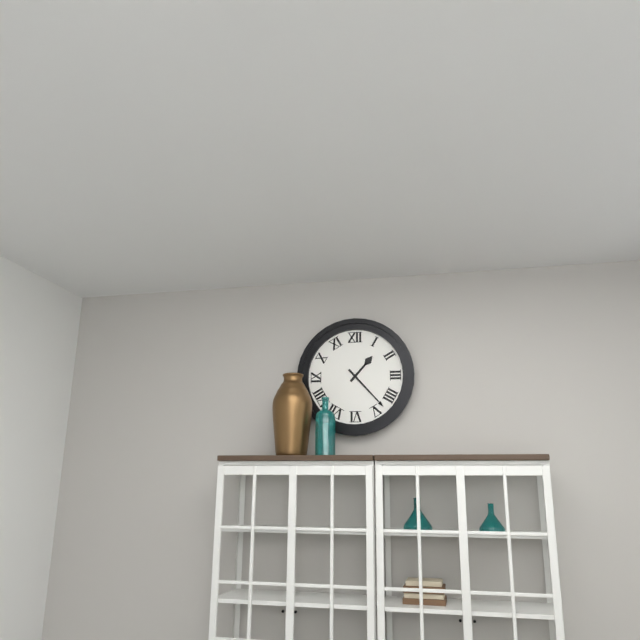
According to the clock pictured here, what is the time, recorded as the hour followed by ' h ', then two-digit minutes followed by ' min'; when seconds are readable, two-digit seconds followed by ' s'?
1 h 23 min
